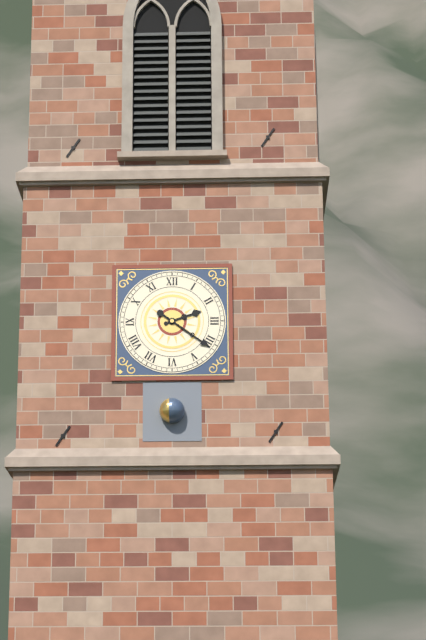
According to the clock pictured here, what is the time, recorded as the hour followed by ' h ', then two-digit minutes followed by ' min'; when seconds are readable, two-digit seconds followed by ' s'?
2 h 21 min
